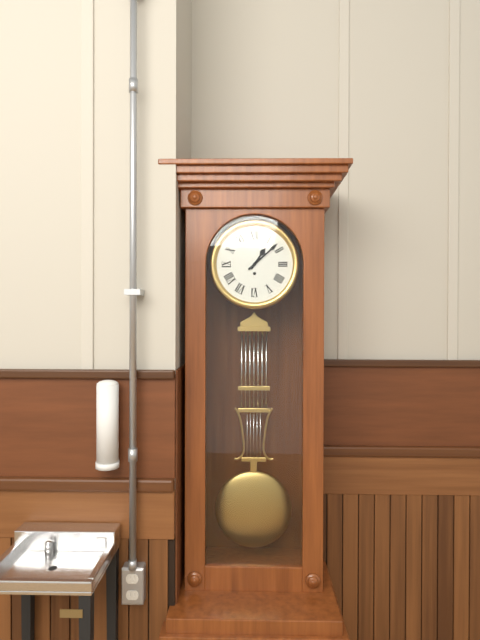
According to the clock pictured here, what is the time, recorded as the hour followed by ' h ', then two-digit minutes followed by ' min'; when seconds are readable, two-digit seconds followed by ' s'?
1 h 08 min
